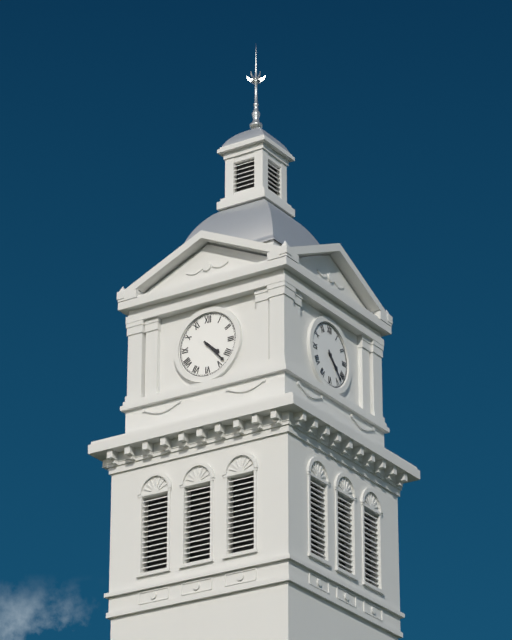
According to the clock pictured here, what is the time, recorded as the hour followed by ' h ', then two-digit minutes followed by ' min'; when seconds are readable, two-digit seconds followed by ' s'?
4 h 23 min
